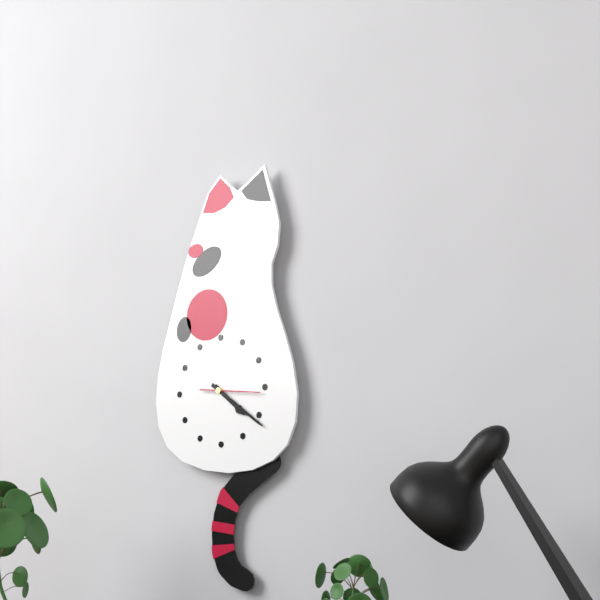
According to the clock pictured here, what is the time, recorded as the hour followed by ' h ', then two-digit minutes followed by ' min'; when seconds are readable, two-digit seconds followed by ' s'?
4 h 21 min
